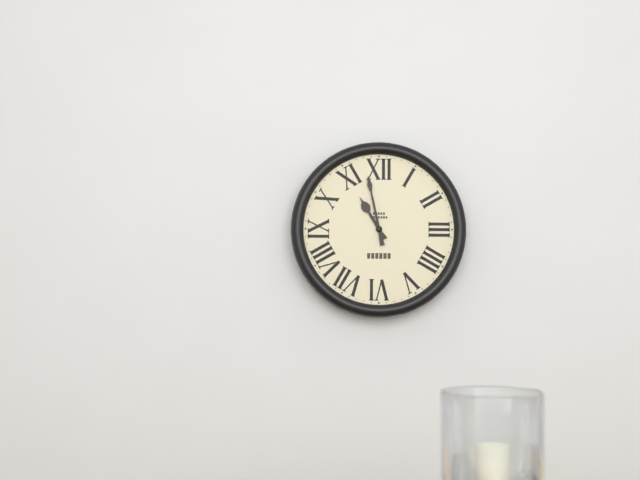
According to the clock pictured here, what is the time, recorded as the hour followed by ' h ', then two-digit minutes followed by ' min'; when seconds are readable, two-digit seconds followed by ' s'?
10 h 58 min
